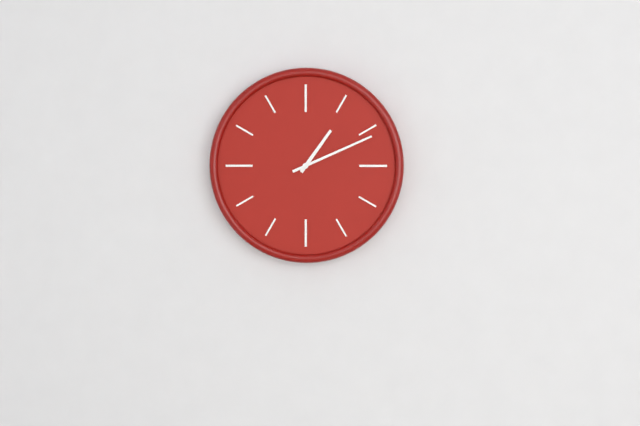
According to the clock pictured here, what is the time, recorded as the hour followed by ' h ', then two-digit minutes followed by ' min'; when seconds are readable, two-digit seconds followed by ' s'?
1 h 11 min
